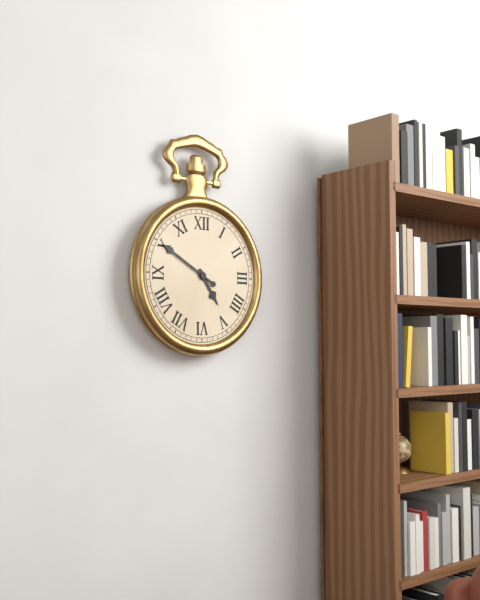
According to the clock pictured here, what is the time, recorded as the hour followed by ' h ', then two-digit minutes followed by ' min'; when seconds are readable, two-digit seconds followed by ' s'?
4 h 50 min
